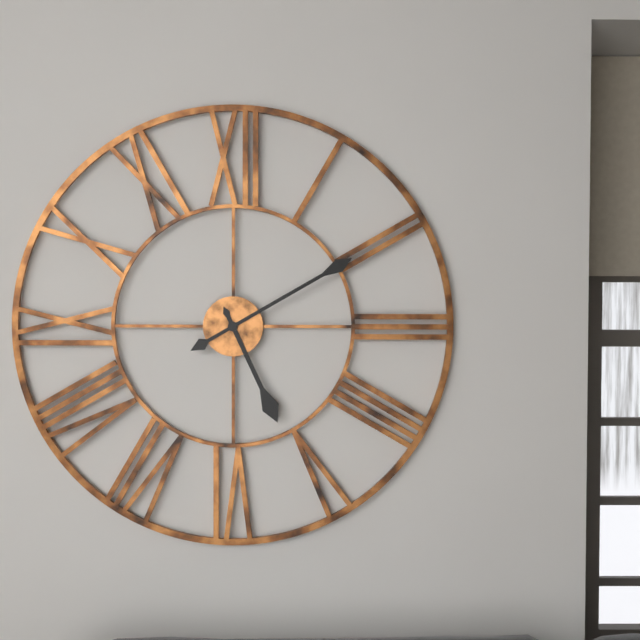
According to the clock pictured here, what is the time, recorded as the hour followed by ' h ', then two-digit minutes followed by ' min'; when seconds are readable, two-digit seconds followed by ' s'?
5 h 10 min
